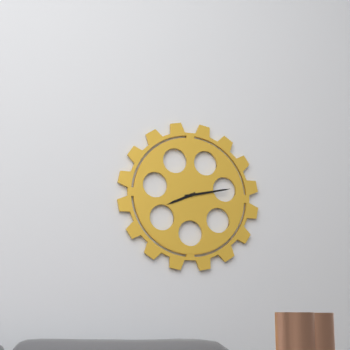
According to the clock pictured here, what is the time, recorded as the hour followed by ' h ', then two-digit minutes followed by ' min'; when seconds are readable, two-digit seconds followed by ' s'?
8 h 13 min
